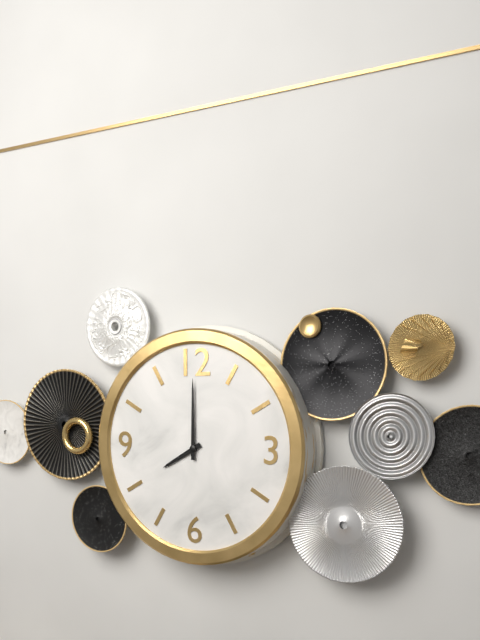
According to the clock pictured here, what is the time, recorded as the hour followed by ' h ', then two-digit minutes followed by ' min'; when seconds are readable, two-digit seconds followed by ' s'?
8 h 00 min
